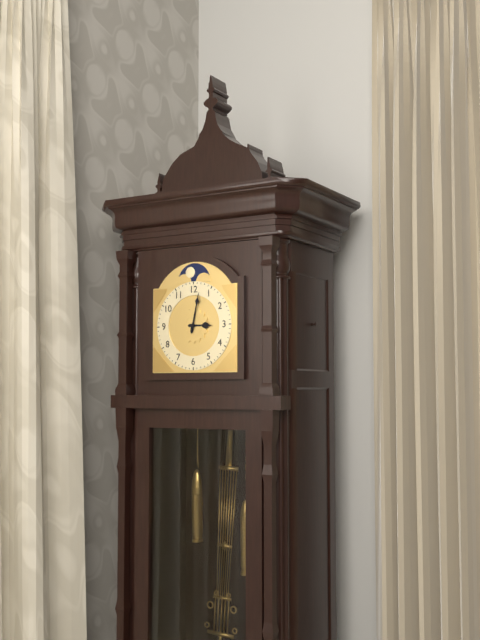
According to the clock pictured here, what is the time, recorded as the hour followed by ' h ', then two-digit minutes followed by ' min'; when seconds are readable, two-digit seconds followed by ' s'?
3 h 02 min
